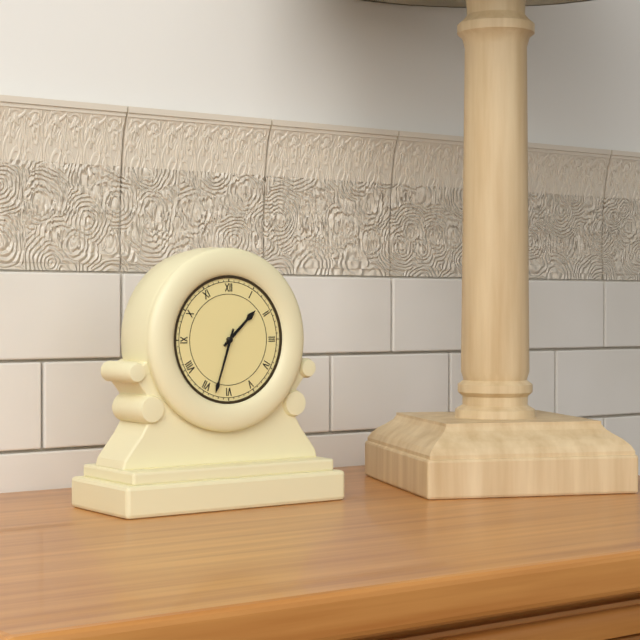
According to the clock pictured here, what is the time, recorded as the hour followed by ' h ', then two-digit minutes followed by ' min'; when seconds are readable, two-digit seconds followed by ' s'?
1 h 33 min
